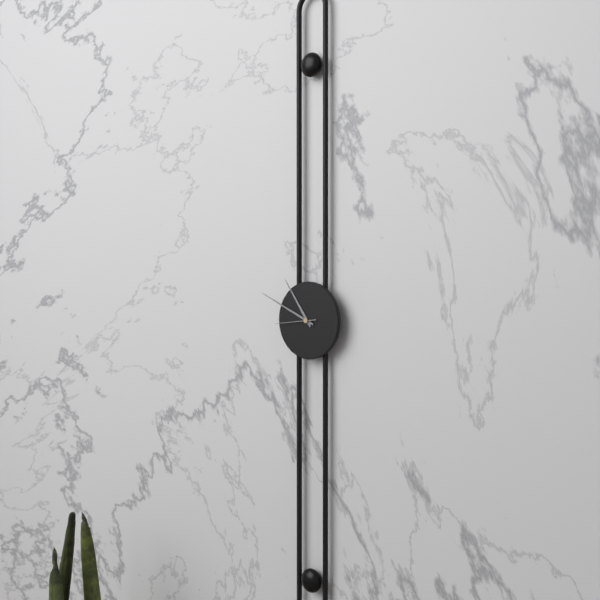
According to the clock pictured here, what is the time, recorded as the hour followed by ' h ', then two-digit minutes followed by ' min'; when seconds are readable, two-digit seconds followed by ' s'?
10 h 49 min
